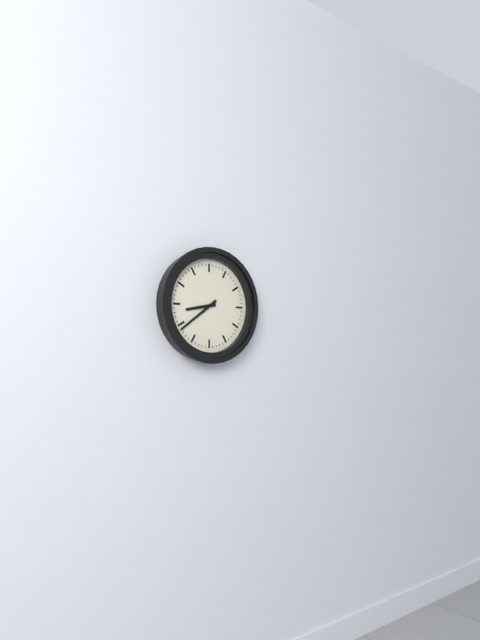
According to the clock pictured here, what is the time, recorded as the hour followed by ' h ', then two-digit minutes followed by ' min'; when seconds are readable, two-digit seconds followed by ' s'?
8 h 39 min
